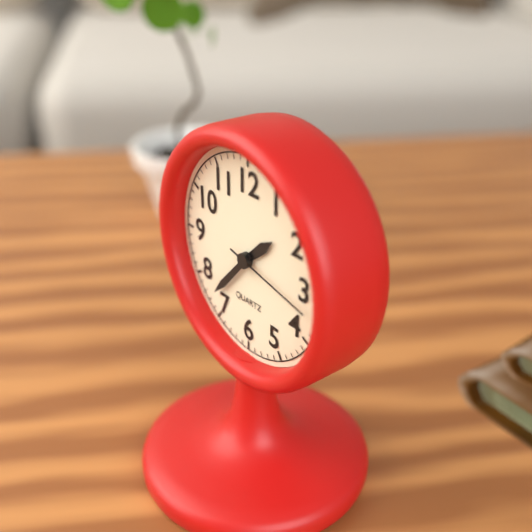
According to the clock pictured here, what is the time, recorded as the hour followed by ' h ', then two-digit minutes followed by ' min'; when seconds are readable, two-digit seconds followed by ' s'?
1 h 37 min 17 s
